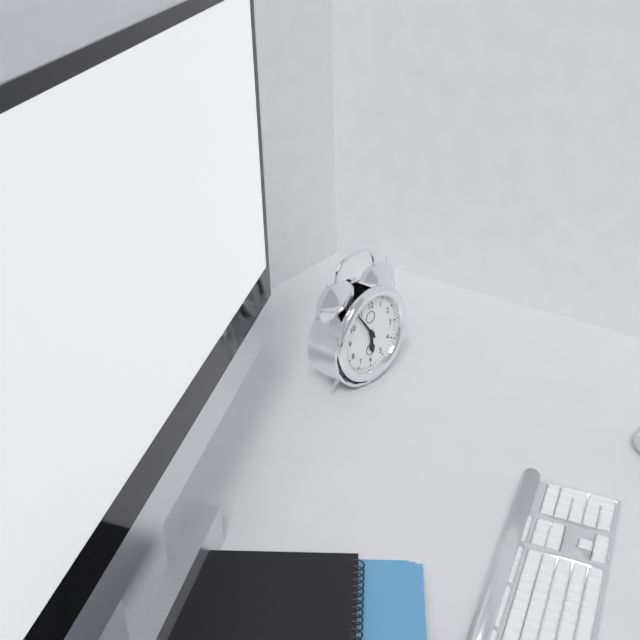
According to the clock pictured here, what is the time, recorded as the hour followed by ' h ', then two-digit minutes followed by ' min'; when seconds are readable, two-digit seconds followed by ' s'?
5 h 54 min
